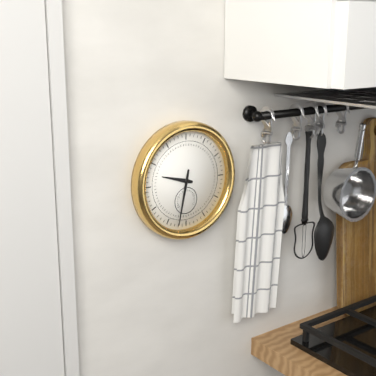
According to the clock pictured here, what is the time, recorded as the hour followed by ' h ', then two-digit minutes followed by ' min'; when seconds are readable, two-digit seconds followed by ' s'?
9 h 32 min
